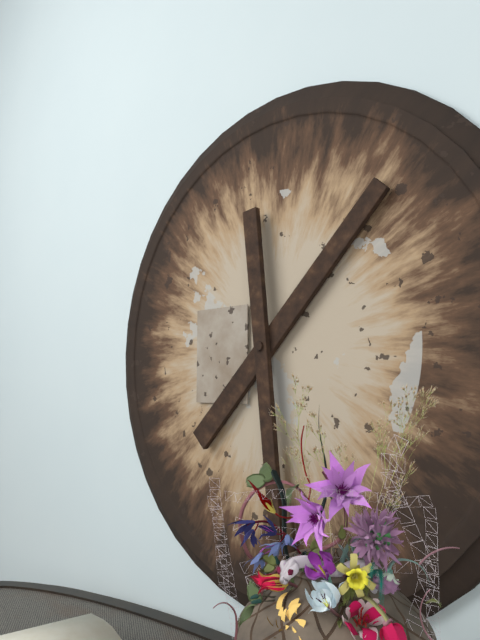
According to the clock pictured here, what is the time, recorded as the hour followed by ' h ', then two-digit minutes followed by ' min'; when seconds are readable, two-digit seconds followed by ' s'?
1 h 29 min
